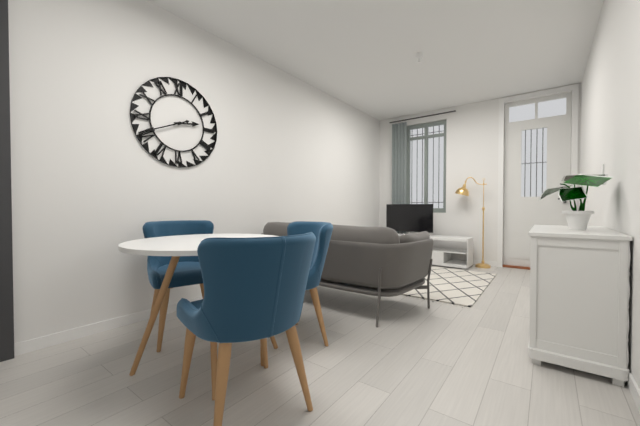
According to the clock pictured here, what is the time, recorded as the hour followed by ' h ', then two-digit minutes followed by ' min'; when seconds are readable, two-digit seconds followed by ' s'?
2 h 41 min
